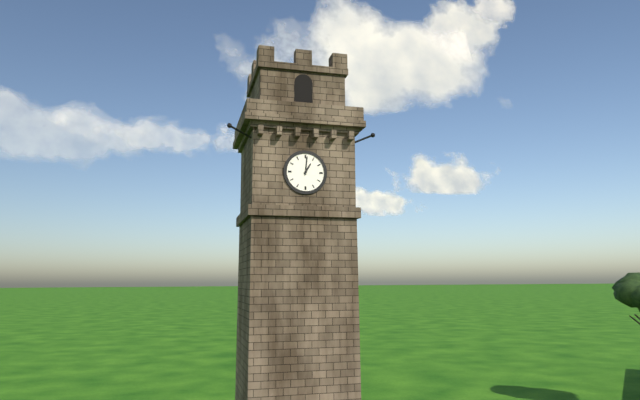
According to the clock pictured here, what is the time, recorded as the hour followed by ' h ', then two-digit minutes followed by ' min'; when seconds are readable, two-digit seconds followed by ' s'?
1 h 01 min
